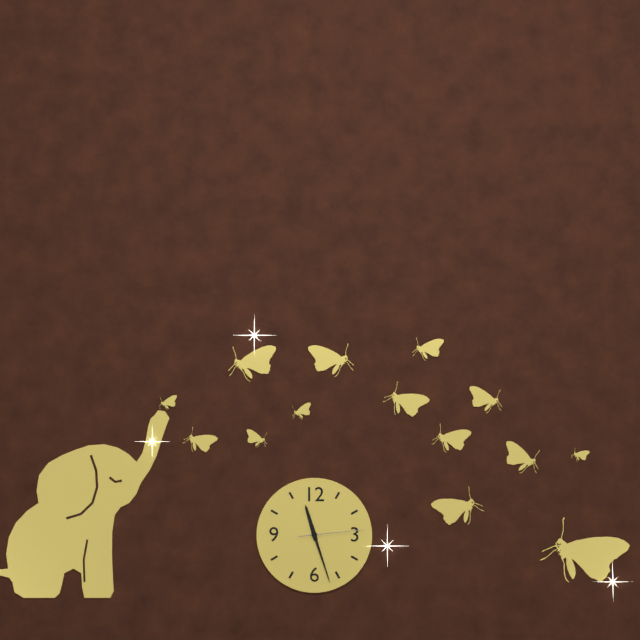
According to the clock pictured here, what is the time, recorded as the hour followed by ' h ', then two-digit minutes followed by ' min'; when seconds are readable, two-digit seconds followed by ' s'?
11 h 27 min 14 s
